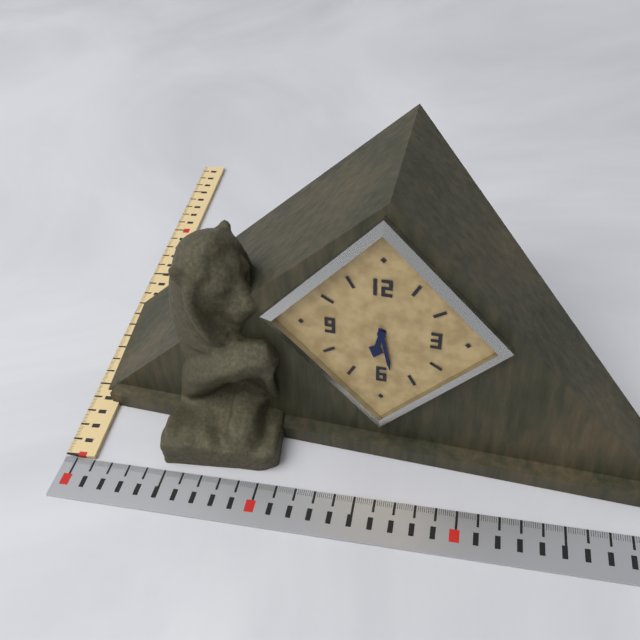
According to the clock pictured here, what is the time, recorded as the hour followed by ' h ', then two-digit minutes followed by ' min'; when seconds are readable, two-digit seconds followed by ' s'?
6 h 28 min
